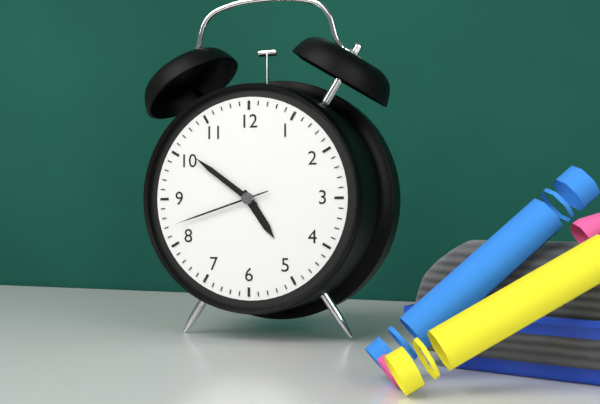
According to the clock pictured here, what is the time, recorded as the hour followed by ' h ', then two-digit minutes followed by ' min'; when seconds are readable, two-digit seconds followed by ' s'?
4 h 51 min 42 s
